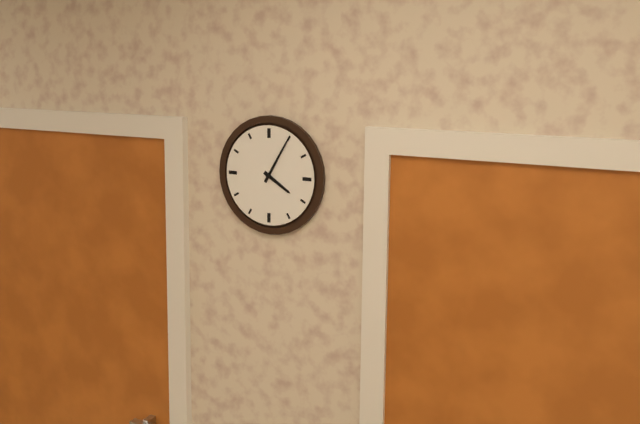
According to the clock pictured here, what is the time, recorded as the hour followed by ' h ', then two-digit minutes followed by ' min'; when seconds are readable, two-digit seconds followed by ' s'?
4 h 05 min
